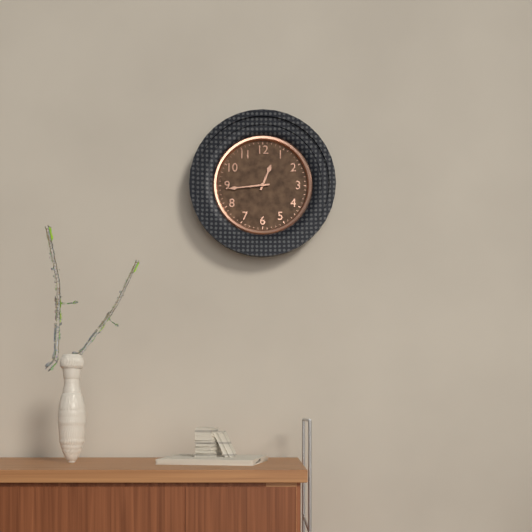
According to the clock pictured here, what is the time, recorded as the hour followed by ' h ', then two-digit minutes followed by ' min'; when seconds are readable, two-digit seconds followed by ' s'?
12 h 44 min
